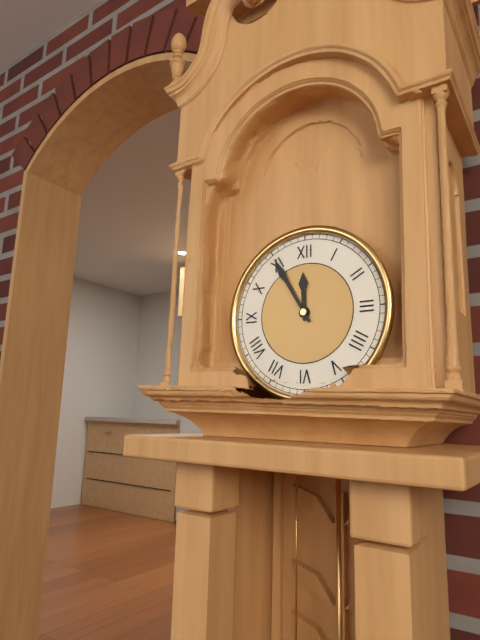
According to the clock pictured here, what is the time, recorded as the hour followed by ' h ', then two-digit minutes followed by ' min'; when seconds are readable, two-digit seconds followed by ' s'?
11 h 55 min
